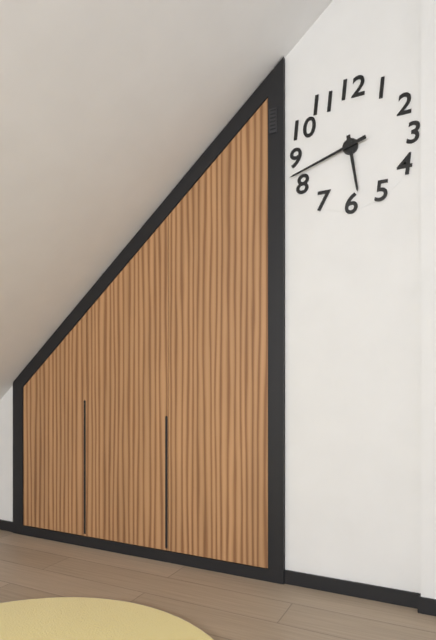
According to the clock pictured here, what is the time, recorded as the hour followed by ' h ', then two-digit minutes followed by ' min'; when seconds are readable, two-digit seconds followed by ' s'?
5 h 42 min
